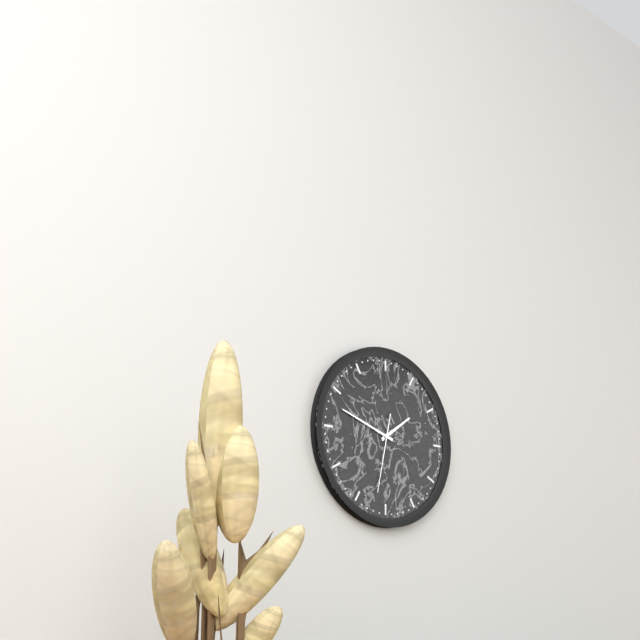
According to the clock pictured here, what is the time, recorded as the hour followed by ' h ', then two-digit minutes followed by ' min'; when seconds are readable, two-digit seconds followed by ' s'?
1 h 48 min 32 s
